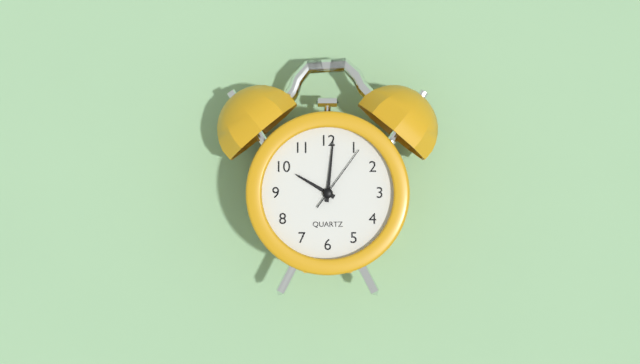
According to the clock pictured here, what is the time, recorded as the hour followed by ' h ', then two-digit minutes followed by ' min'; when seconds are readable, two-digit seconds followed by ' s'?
10 h 01 min 06 s
